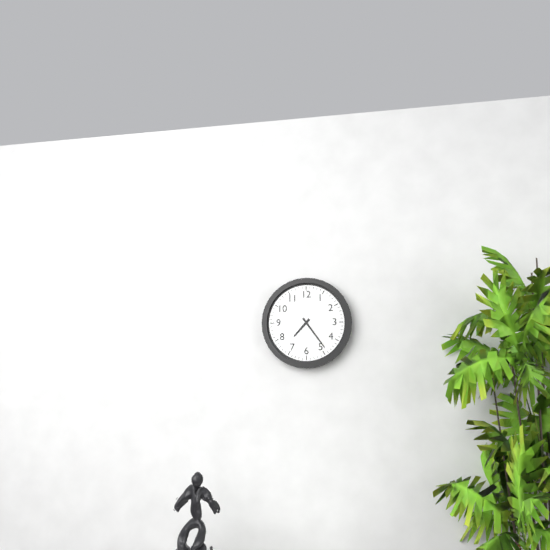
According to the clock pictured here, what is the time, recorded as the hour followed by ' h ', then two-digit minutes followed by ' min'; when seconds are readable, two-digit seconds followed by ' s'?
7 h 24 min
